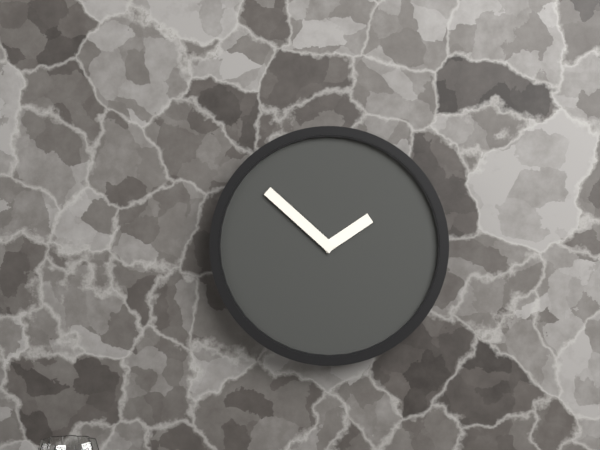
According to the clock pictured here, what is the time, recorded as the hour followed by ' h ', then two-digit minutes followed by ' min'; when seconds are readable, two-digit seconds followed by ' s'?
1 h 52 min
